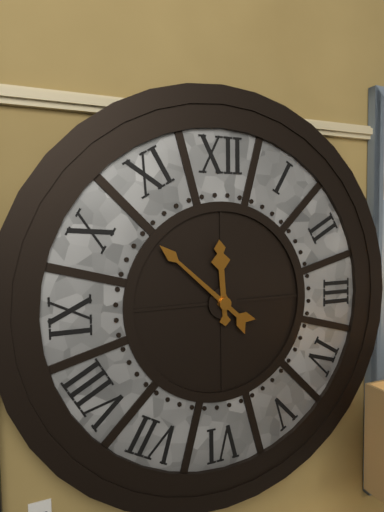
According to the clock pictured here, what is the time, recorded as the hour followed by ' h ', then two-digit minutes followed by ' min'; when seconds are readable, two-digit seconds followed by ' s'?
11 h 52 min
